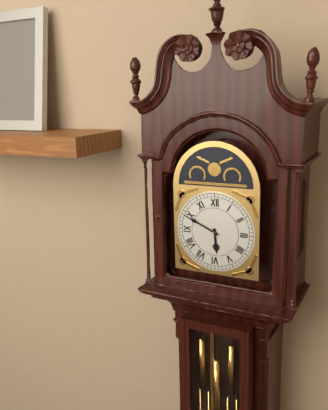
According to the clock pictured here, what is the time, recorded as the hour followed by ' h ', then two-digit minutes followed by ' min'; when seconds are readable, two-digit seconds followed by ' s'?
5 h 49 min
